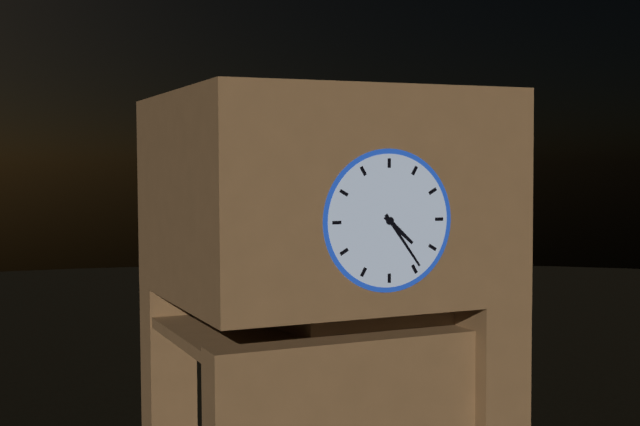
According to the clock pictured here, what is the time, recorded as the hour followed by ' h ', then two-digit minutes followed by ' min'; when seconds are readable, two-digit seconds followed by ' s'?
4 h 24 min
